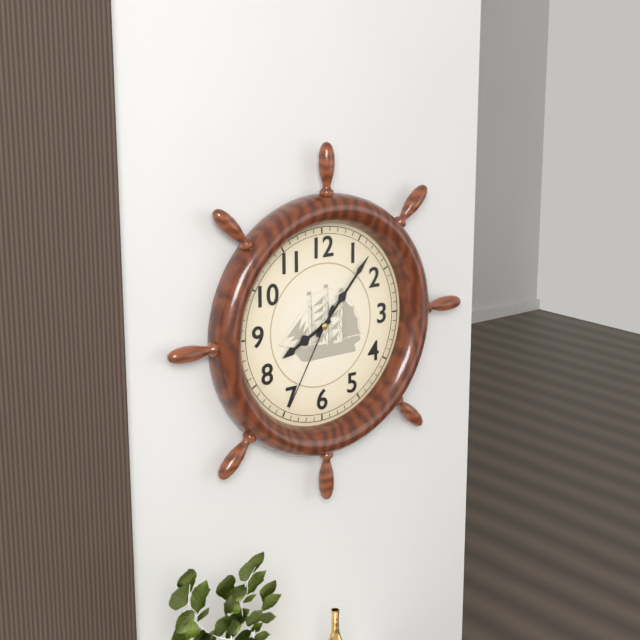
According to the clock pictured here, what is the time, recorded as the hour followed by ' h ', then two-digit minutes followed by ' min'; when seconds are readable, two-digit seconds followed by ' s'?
8 h 07 min 35 s
